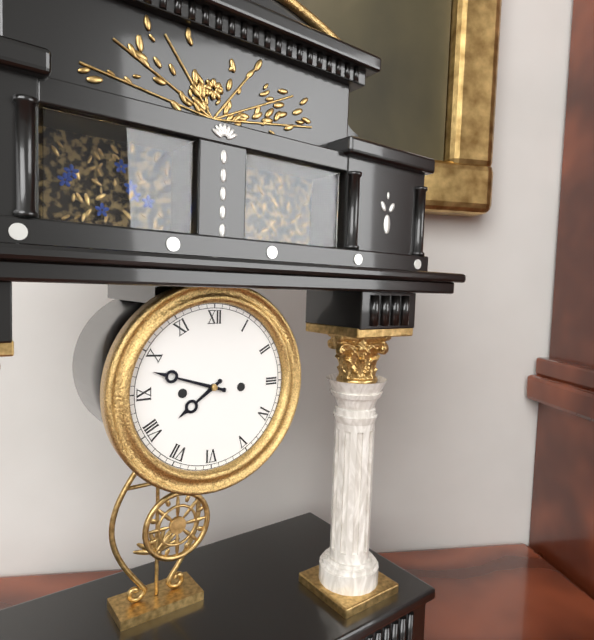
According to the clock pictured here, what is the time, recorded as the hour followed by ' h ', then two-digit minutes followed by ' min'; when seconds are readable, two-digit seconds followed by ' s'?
7 h 48 min
